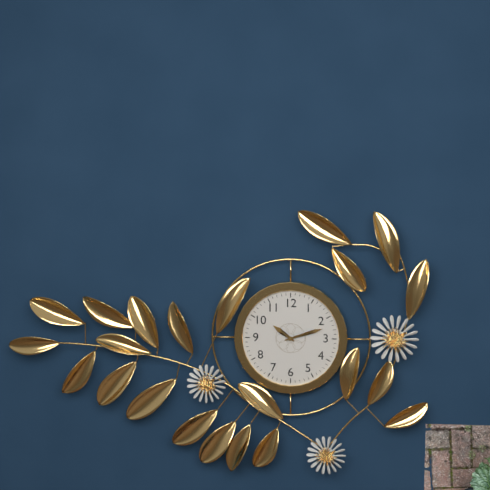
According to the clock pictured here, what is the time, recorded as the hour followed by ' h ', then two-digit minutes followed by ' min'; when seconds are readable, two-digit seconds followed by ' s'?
10 h 12 min
